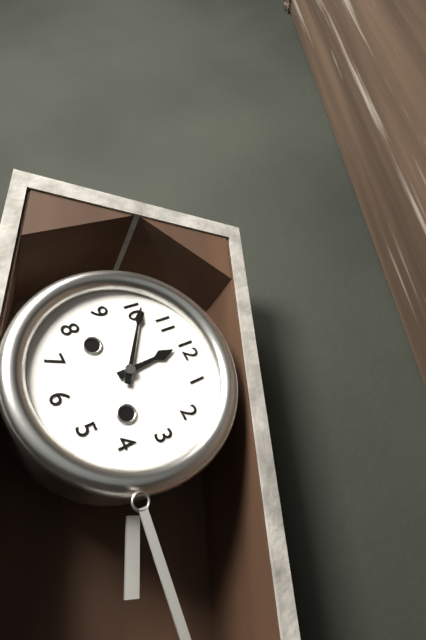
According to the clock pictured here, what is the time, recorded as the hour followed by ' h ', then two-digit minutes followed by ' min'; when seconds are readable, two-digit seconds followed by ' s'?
11 h 51 min
